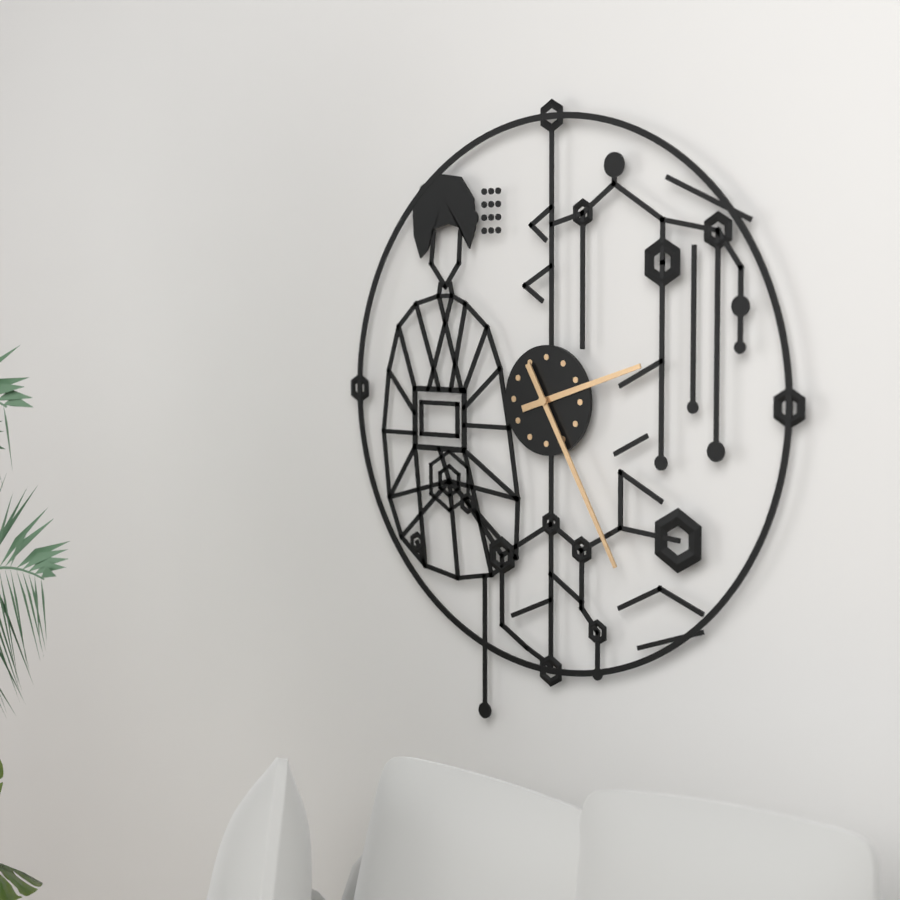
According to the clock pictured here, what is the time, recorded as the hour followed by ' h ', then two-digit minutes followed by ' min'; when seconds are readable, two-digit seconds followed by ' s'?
2 h 25 min
